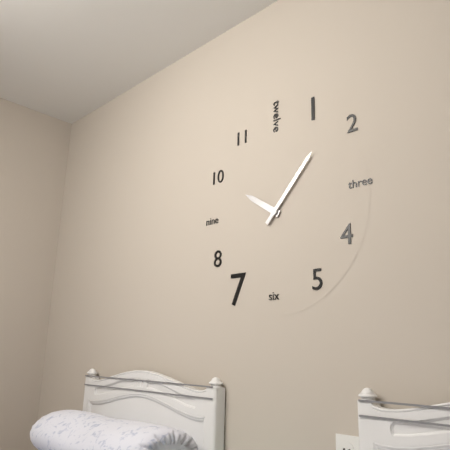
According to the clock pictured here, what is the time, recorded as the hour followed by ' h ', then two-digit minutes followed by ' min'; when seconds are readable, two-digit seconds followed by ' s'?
10 h 07 min
